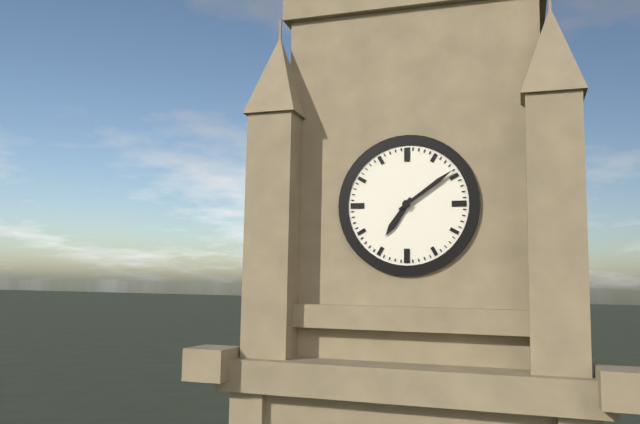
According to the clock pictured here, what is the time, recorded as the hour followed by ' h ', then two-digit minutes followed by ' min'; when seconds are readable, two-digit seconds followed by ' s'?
7 h 09 min
